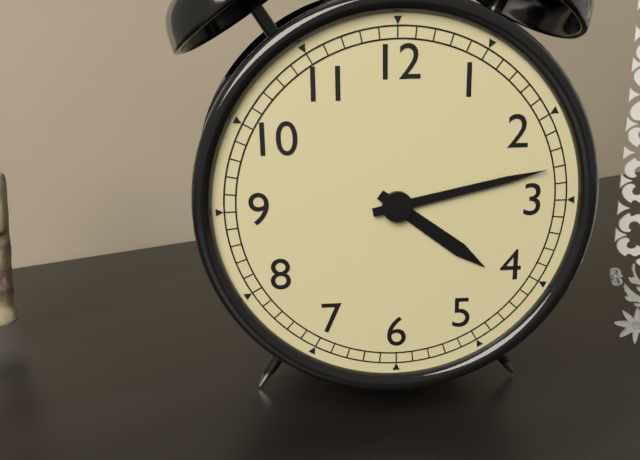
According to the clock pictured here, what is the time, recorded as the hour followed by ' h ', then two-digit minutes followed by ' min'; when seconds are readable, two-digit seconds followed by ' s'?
4 h 13 min
